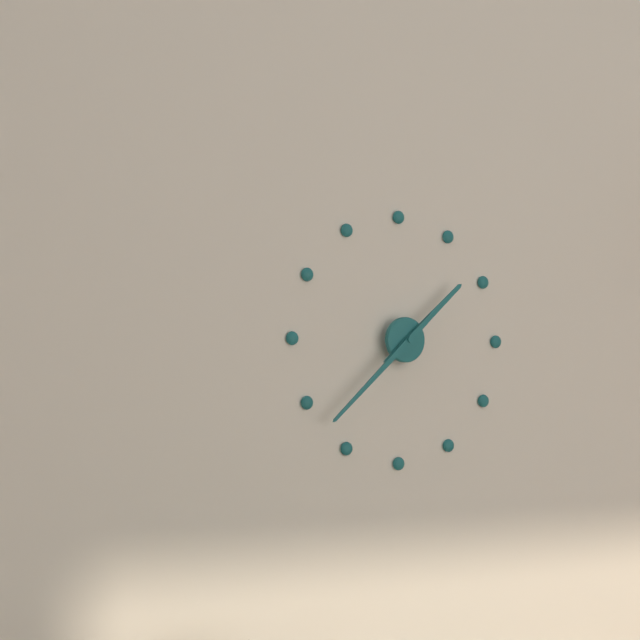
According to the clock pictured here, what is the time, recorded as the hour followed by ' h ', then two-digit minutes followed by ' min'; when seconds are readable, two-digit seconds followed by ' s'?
1 h 38 min
